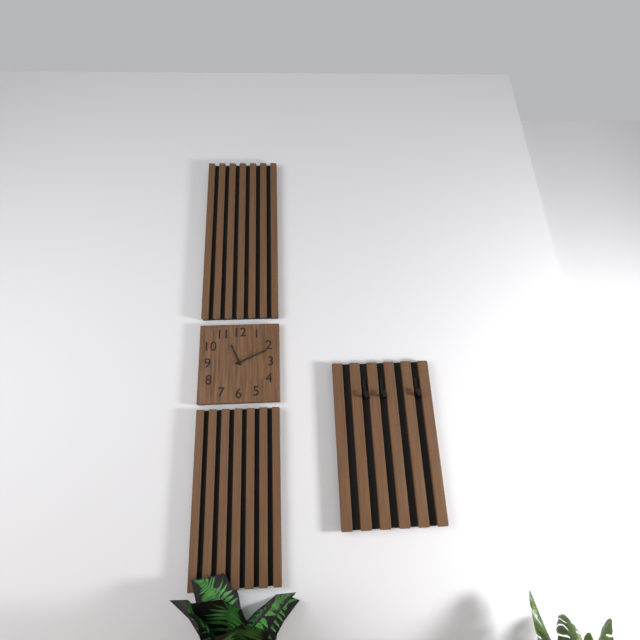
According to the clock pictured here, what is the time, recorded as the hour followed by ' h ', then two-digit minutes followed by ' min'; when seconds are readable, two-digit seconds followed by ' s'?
11 h 11 min
